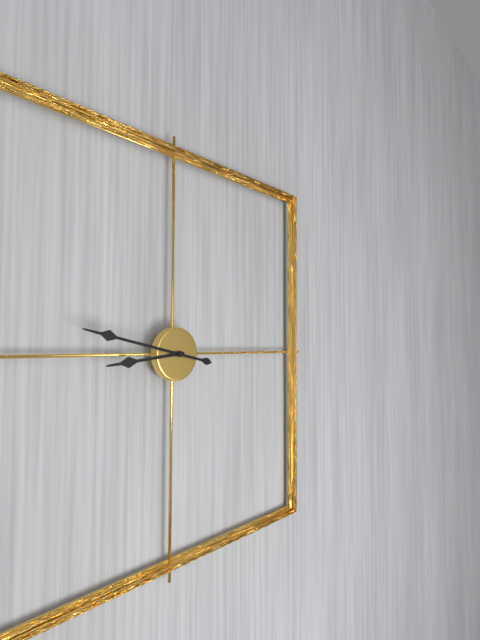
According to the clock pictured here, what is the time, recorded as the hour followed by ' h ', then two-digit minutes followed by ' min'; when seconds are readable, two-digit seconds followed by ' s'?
8 h 47 min
